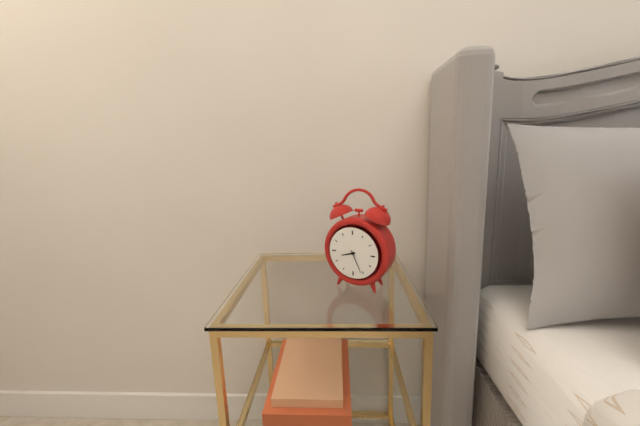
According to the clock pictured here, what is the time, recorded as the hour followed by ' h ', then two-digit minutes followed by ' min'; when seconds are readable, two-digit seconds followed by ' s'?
8 h 26 min
